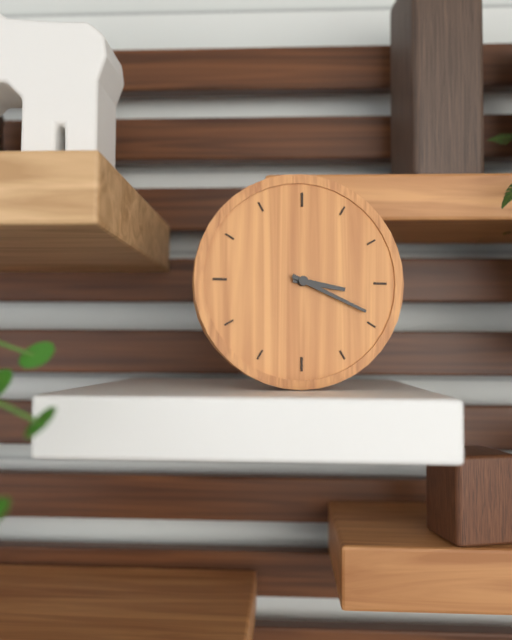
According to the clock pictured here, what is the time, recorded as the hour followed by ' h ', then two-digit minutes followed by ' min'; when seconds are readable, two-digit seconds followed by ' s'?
3 h 19 min
